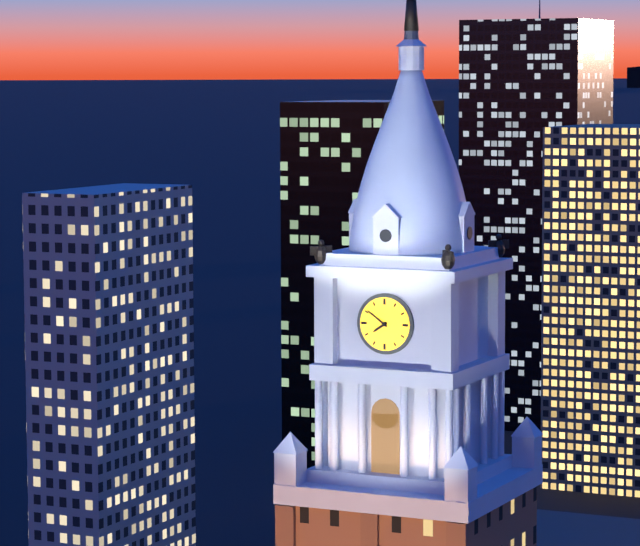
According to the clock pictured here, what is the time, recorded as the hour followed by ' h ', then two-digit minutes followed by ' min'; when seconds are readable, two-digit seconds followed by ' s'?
7 h 51 min
